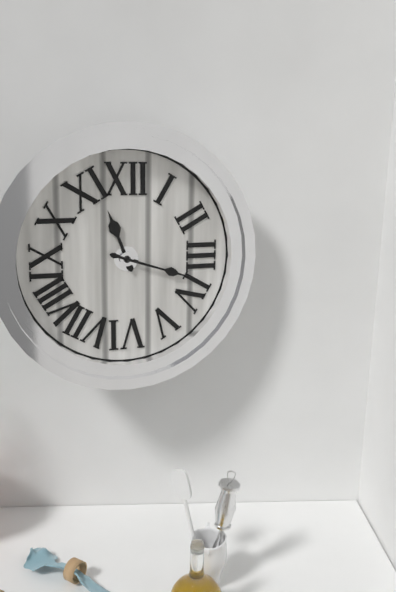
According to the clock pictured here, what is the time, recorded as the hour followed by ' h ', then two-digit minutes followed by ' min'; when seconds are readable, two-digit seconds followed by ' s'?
11 h 18 min
